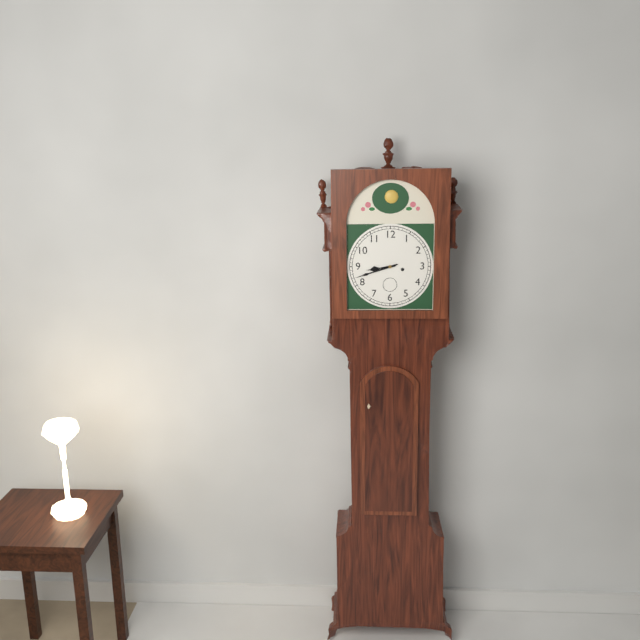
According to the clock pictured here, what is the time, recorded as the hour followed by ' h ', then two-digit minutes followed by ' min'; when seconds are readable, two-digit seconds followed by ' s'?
8 h 42 min
